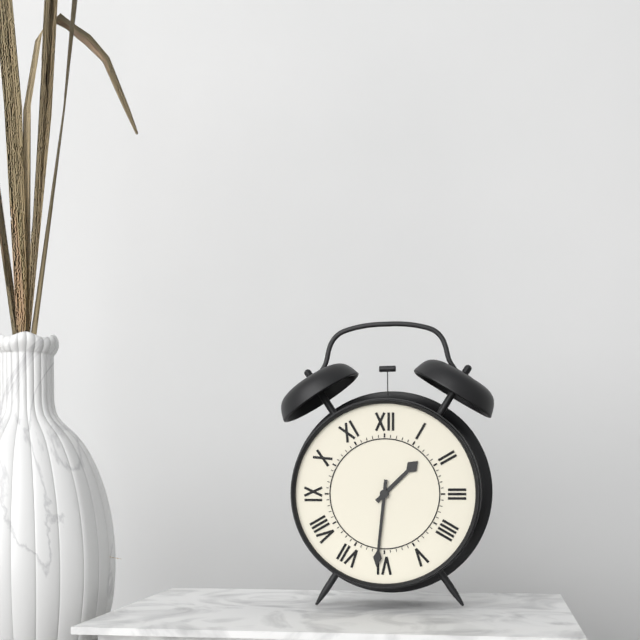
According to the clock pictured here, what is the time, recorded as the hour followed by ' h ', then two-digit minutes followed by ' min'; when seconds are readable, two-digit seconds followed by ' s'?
1 h 31 min
